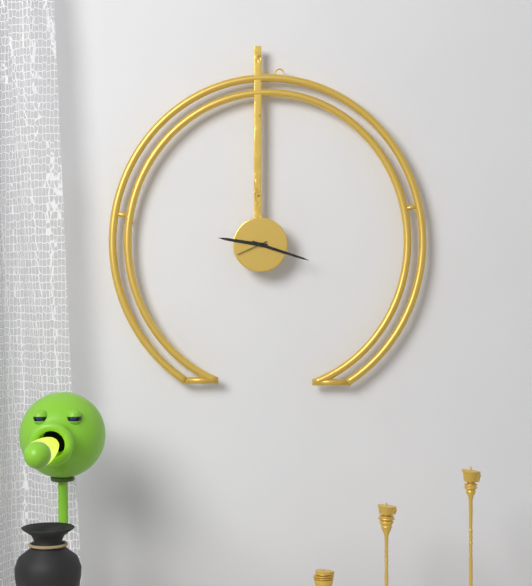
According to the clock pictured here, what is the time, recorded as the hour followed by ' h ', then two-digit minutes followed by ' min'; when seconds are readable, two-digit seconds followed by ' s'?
9 h 18 min
